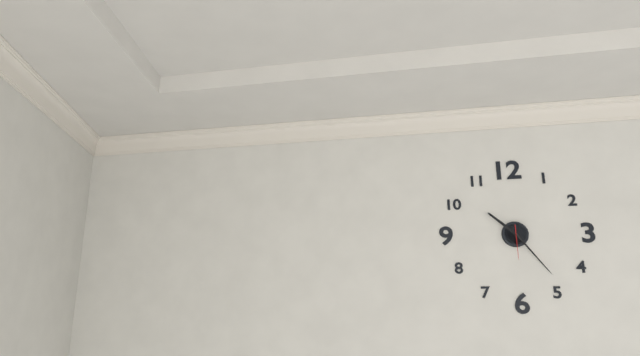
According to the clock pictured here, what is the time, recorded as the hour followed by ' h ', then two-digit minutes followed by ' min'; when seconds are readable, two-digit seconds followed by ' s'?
10 h 24 min
